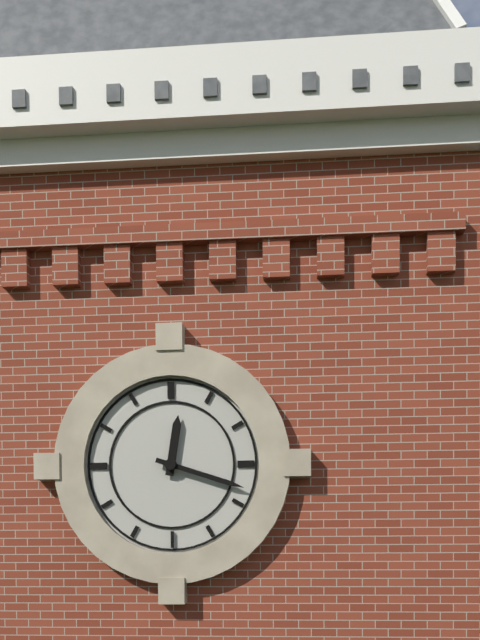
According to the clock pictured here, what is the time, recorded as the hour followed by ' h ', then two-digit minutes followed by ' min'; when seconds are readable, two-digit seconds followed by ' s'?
12 h 18 min
